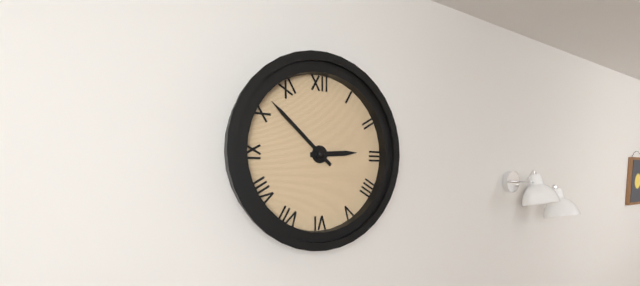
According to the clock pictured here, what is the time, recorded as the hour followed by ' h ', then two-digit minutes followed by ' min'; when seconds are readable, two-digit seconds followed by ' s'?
2 h 52 min
